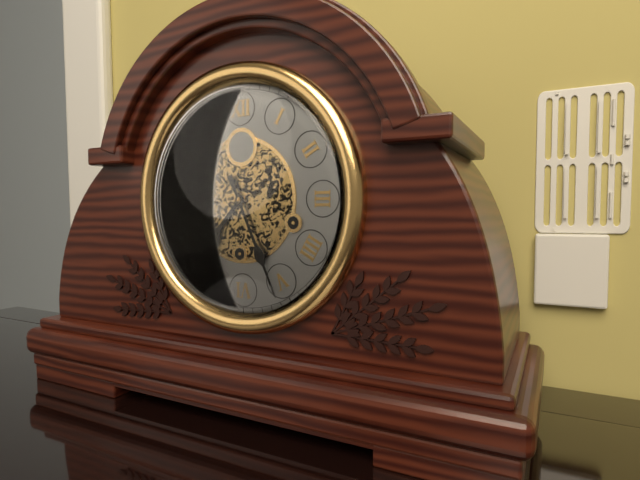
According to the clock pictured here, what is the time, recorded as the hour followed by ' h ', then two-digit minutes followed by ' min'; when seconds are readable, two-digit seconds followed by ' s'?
7 h 26 min
